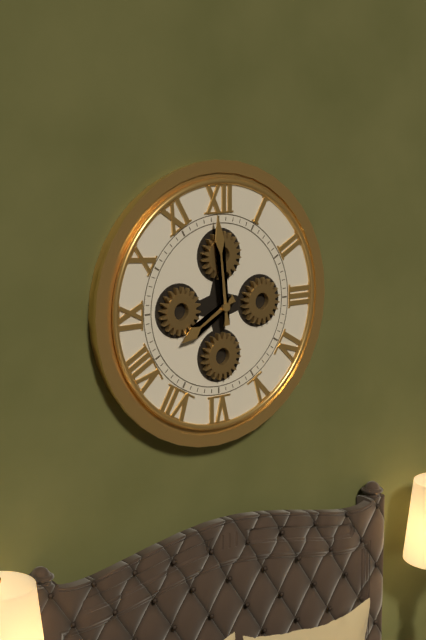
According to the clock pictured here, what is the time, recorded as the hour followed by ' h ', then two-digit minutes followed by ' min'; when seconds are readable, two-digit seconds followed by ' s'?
7 h 59 min
